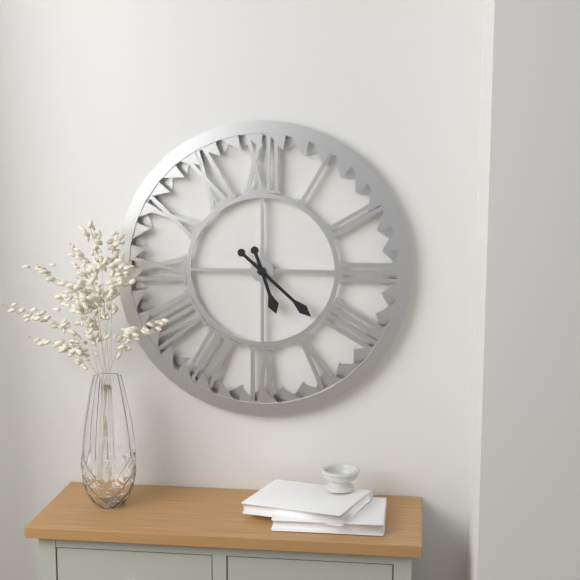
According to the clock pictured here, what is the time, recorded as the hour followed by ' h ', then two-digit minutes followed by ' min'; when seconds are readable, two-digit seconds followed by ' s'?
5 h 22 min
